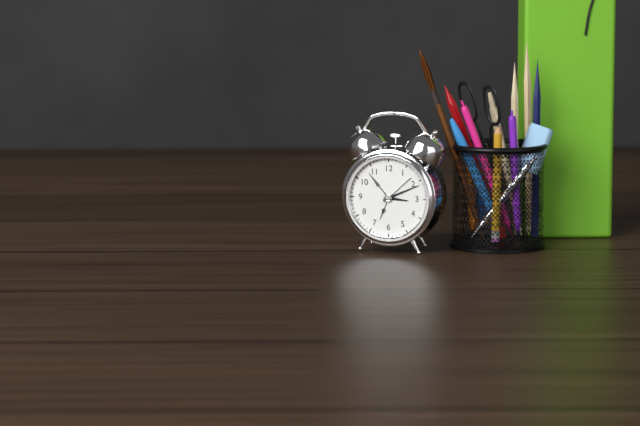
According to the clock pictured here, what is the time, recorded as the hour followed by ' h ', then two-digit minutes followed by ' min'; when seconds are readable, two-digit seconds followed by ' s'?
3 h 11 min
